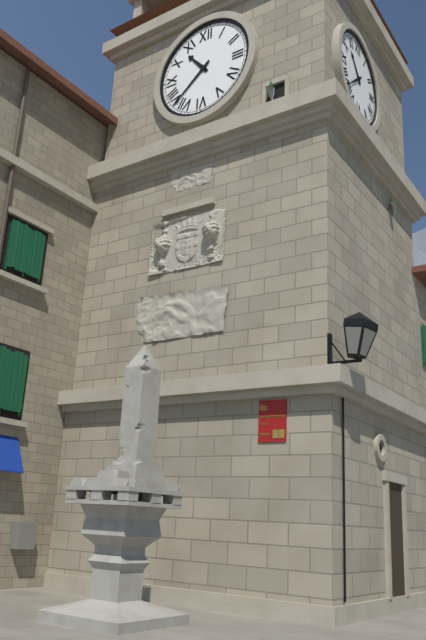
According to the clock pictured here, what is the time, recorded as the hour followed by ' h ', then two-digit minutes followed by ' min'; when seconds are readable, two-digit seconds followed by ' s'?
10 h 38 min
